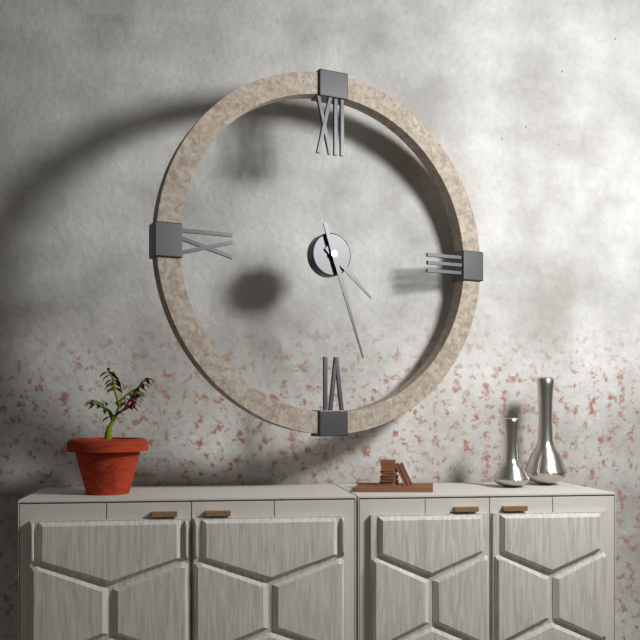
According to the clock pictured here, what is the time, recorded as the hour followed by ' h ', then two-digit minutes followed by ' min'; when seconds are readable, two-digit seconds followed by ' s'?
4 h 27 min
